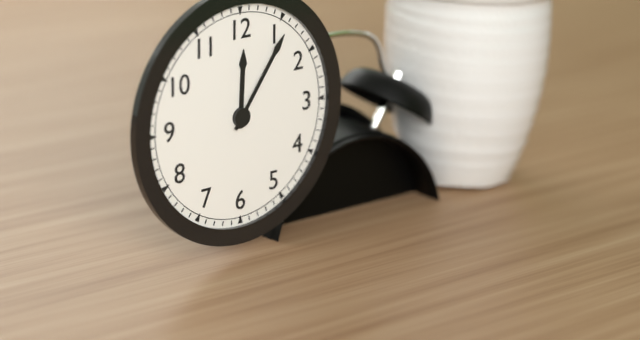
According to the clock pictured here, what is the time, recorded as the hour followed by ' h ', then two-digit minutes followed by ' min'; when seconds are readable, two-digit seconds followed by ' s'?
12 h 06 min
